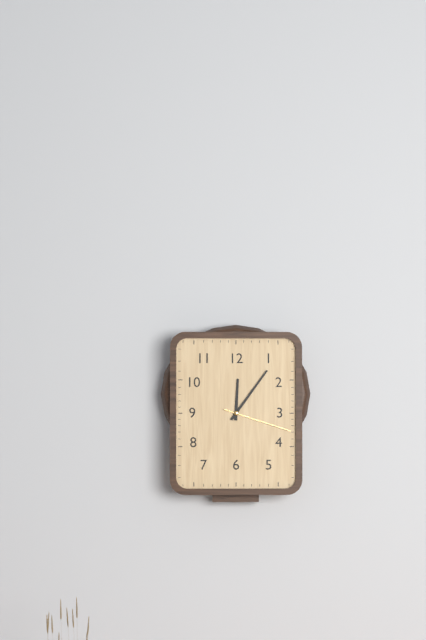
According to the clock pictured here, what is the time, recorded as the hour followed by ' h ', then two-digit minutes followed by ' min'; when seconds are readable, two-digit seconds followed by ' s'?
12 h 06 min 18 s
